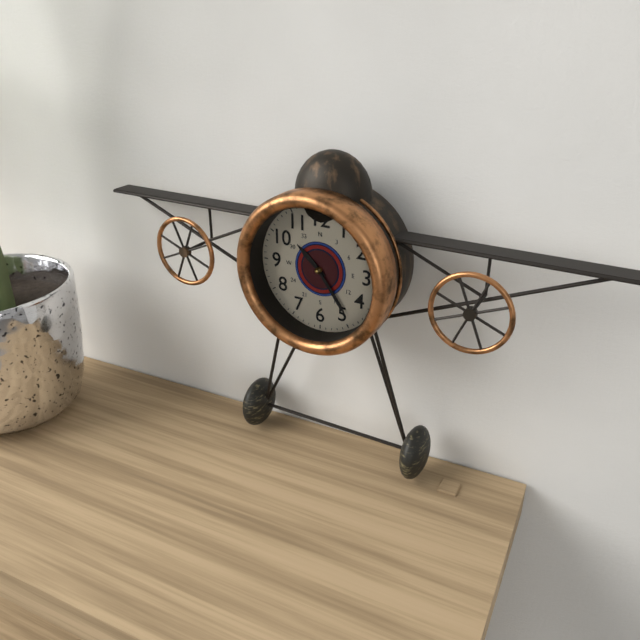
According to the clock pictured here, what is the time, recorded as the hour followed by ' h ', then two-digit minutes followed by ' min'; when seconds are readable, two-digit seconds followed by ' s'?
10 h 24 min
